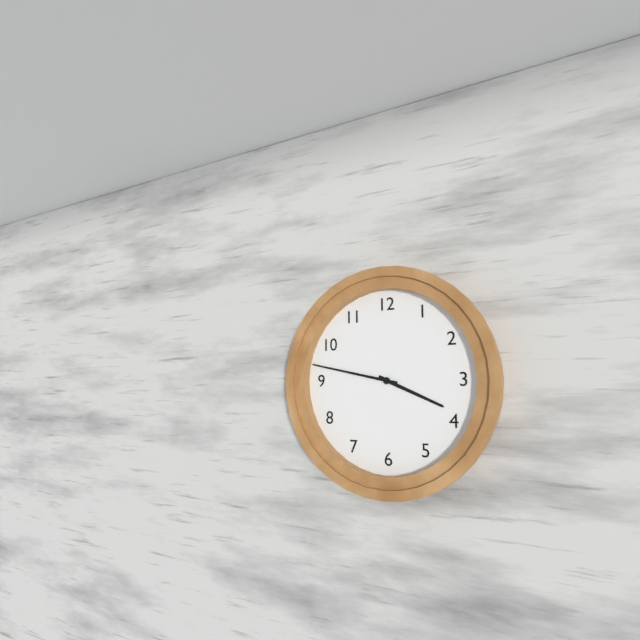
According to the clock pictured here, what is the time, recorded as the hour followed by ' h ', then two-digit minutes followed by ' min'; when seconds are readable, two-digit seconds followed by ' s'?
3 h 47 min
